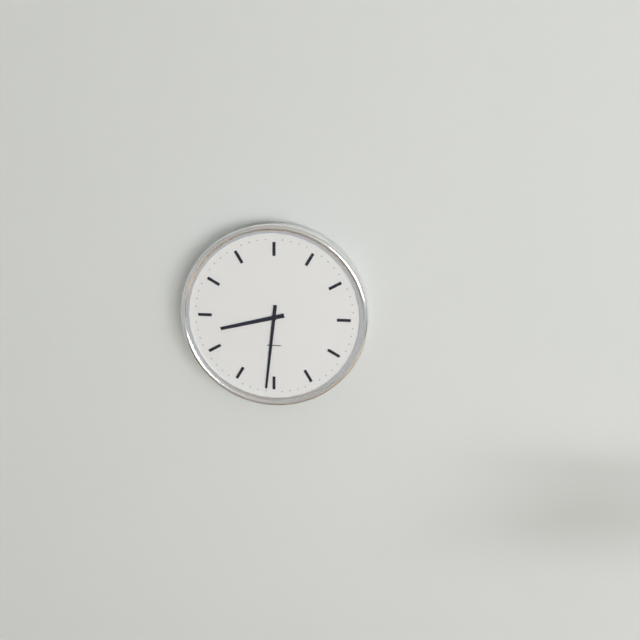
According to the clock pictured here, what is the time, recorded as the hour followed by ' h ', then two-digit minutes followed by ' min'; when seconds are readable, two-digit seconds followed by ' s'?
8 h 31 min
